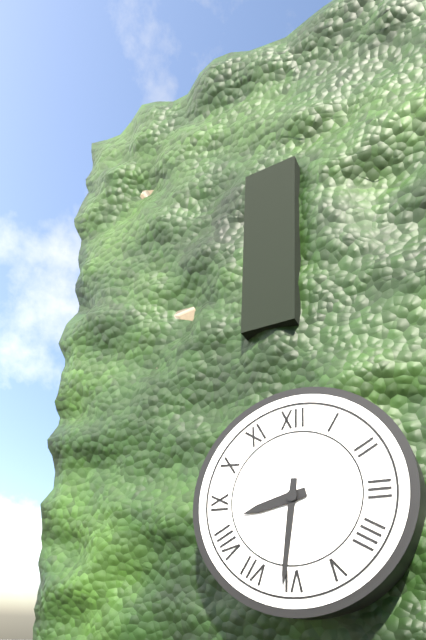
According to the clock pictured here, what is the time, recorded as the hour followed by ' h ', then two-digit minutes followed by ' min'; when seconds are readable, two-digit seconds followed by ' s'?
8 h 31 min
